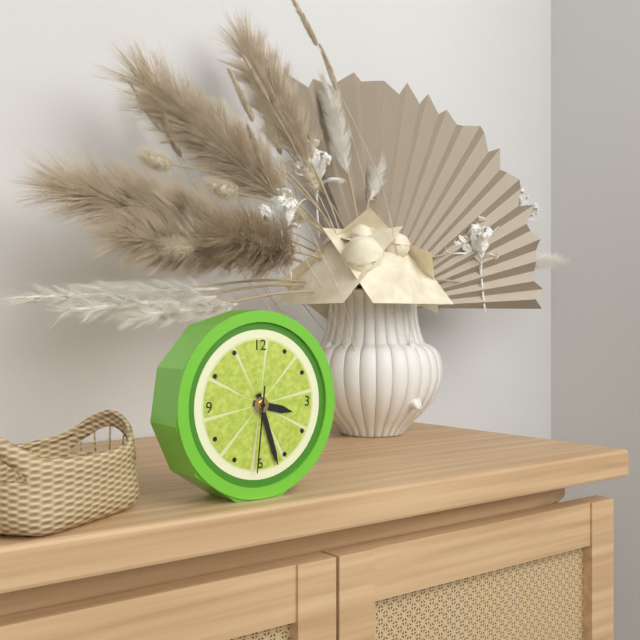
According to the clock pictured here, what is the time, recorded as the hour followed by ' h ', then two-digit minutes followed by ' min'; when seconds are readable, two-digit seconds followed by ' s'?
3 h 27 min 31 s
